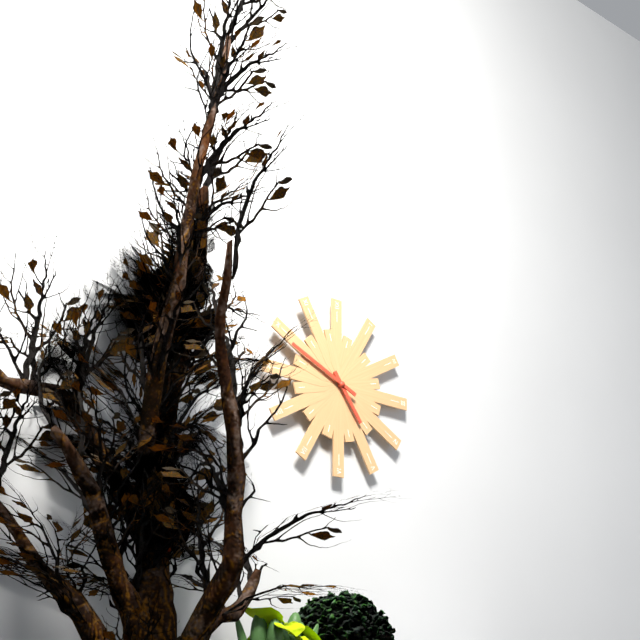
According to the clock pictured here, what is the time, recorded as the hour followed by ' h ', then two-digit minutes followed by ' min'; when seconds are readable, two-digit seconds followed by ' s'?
4 h 49 min
